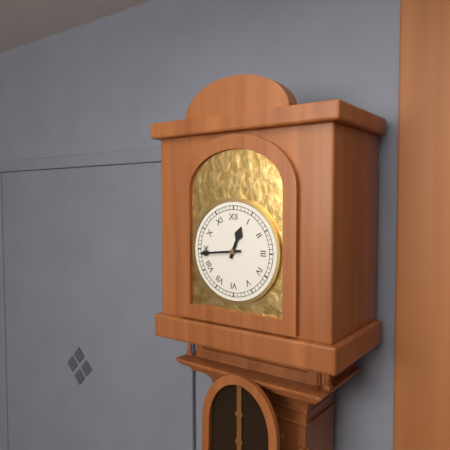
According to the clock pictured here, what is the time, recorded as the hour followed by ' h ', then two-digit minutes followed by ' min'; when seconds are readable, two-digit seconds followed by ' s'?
12 h 44 min
